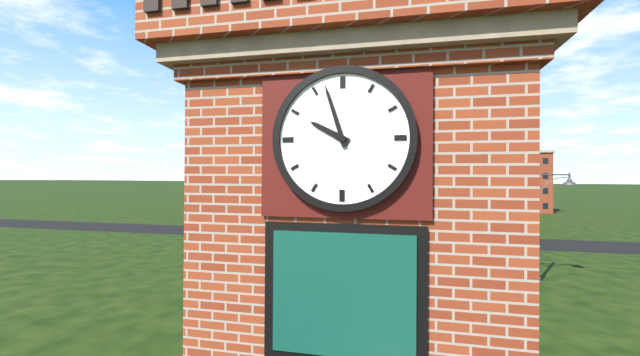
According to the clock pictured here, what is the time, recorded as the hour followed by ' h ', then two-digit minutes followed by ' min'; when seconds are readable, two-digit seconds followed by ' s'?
9 h 57 min
